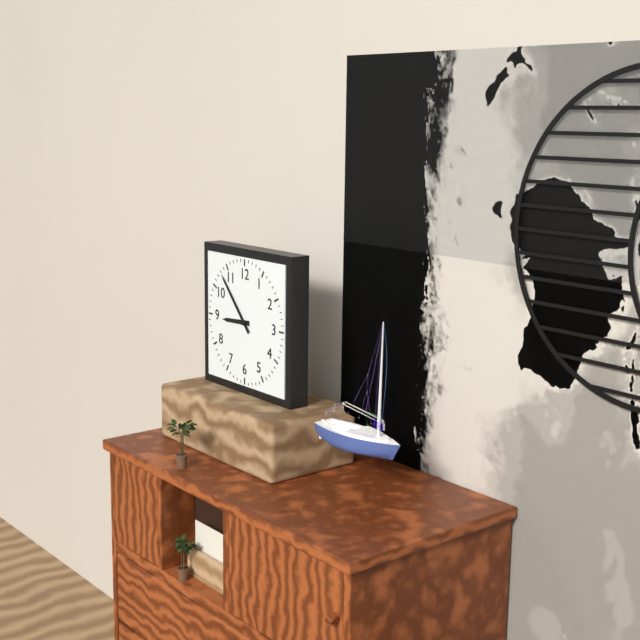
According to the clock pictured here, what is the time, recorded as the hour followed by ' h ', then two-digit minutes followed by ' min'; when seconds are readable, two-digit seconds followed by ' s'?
8 h 53 min
